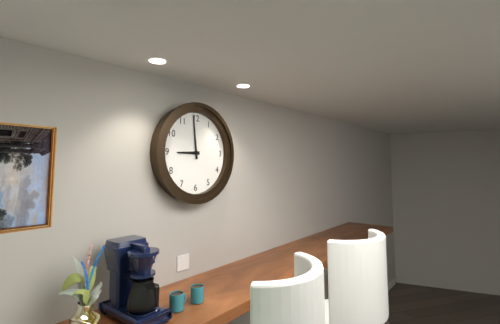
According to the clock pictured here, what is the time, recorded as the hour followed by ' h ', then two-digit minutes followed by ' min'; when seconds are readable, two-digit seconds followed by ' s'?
8 h 59 min
